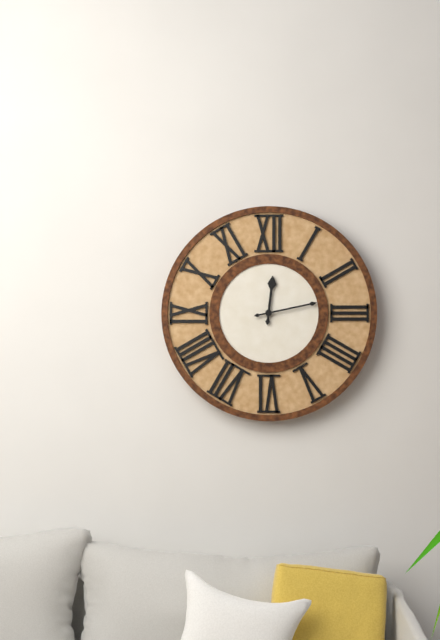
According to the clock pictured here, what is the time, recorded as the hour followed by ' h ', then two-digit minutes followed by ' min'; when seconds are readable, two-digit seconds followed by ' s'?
12 h 13 min
